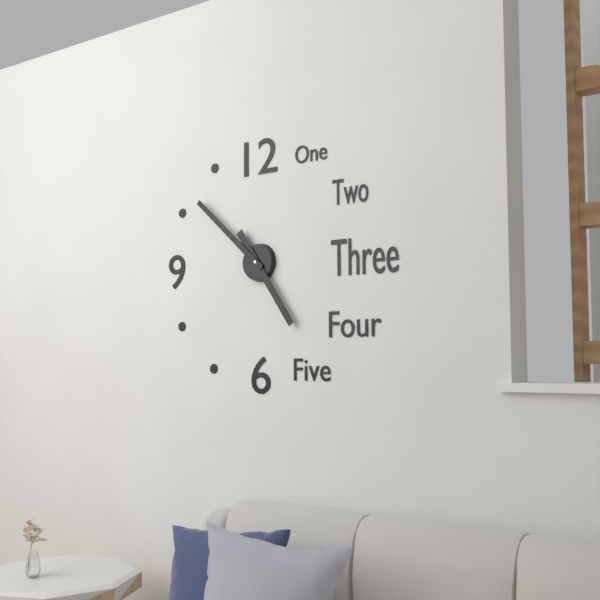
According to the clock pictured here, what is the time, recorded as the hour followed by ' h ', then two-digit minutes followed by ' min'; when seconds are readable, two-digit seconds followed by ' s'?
4 h 52 min
